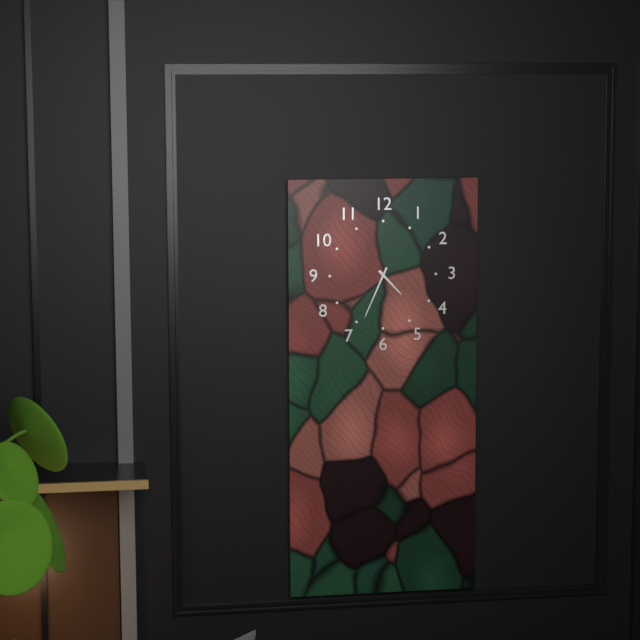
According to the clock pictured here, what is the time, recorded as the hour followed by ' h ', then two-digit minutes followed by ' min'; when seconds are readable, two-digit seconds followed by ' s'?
4 h 34 min
